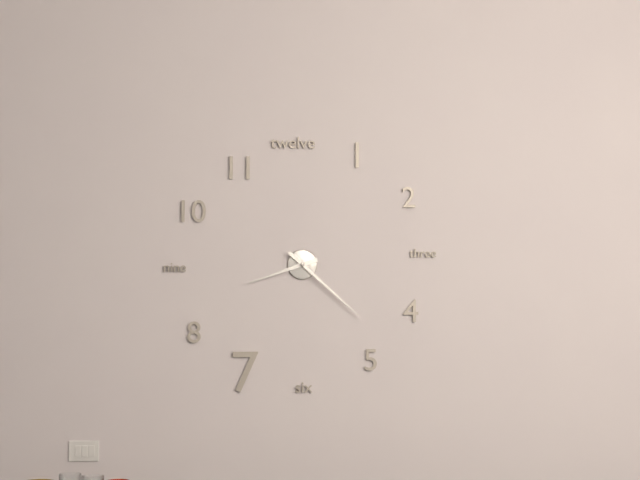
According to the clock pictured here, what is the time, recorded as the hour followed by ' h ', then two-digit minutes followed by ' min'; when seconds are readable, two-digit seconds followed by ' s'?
8 h 22 min
